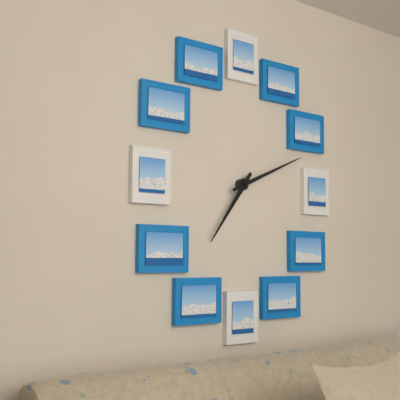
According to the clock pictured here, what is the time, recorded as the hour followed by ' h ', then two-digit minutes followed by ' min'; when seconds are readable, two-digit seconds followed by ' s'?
7 h 11 min
